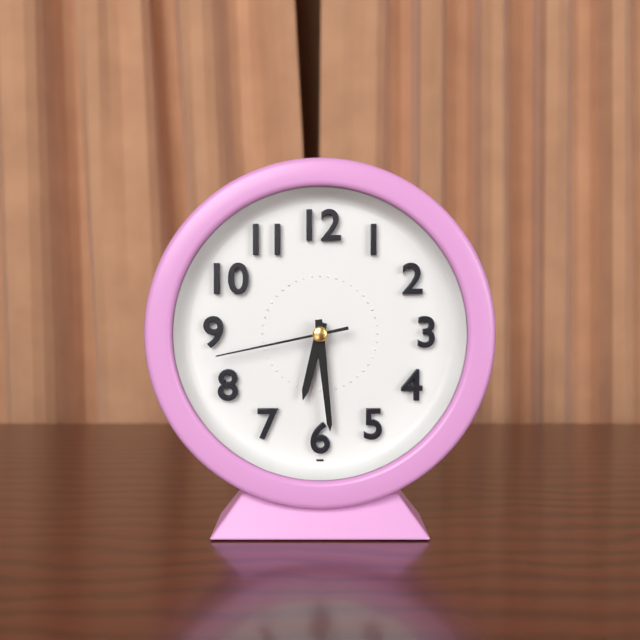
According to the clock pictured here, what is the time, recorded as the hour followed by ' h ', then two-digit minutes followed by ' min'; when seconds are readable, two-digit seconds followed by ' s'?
6 h 29 min 43 s
